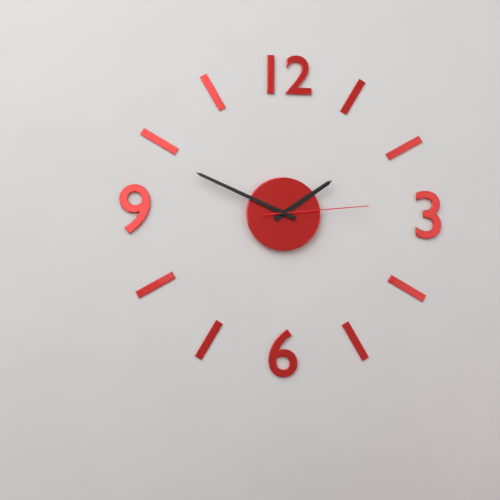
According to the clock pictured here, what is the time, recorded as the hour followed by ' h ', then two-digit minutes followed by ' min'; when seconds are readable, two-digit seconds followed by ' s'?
1 h 49 min 14 s
